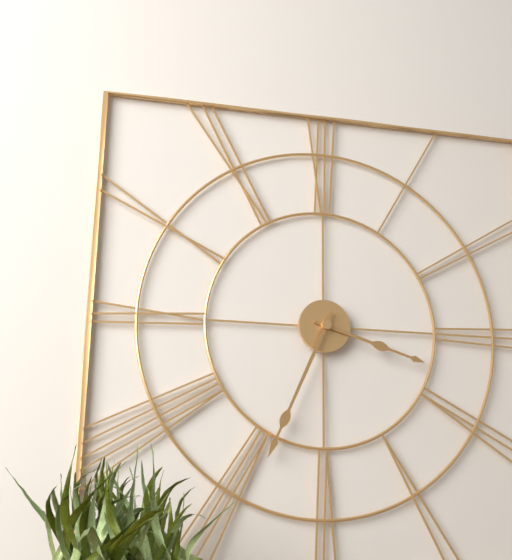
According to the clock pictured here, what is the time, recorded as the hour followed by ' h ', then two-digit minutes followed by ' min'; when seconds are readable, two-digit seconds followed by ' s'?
3 h 34 min
